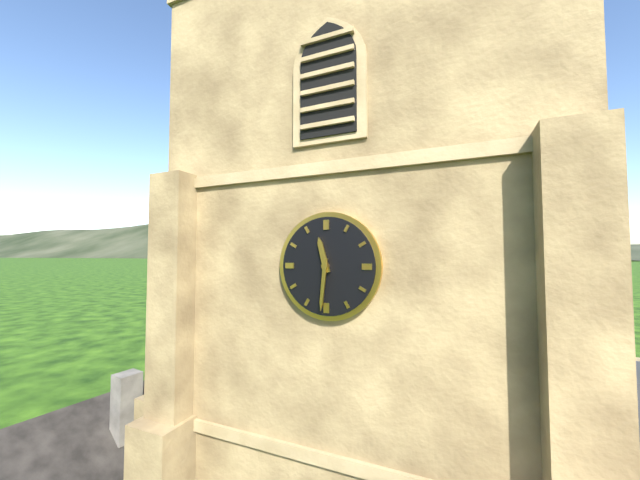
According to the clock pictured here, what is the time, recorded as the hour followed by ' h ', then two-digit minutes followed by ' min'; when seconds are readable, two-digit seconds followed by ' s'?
11 h 31 min
